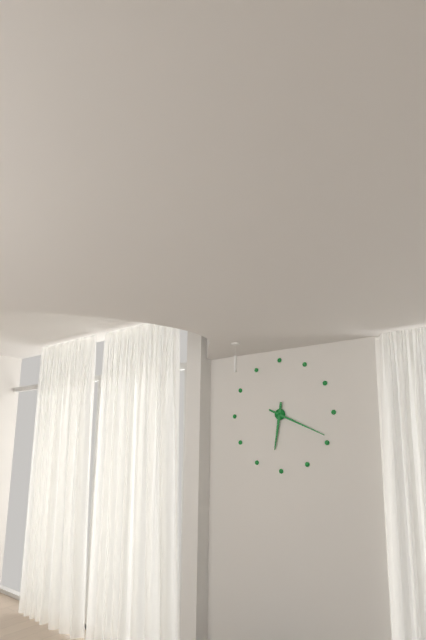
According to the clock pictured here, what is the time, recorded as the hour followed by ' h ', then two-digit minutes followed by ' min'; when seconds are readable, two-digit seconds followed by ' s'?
6 h 19 min
